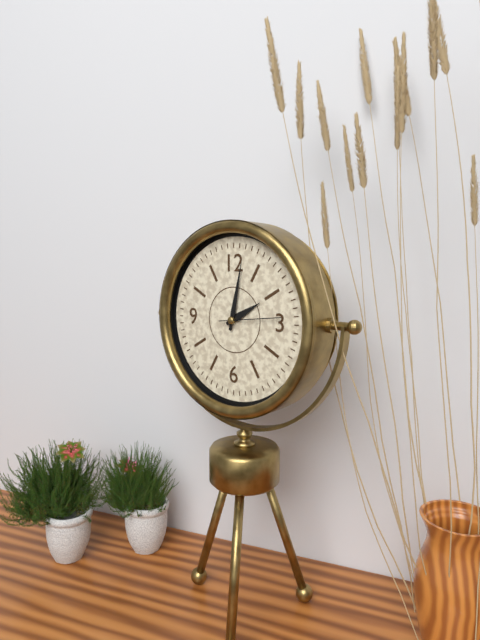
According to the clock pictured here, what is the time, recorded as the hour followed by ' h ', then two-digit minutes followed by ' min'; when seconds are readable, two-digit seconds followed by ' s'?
2 h 02 min 14 s
